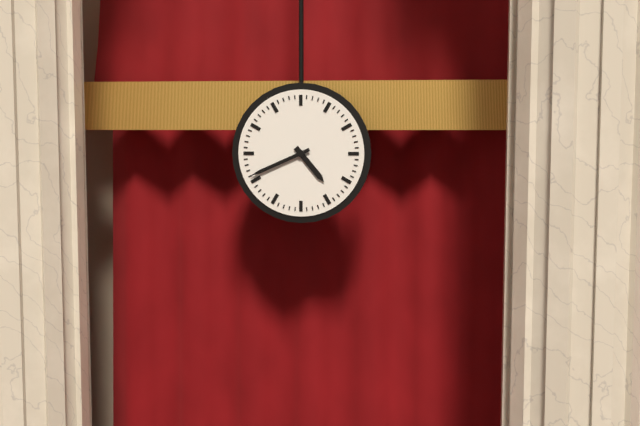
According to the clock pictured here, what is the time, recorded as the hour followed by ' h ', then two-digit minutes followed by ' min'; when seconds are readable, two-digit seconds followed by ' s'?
4 h 41 min
